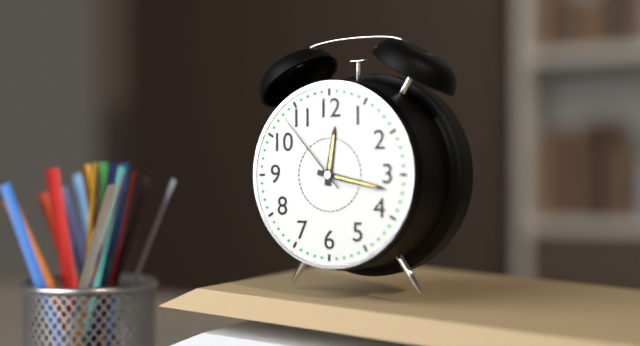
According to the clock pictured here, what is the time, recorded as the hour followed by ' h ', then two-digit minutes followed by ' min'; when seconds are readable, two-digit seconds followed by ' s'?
12 h 17 min 53 s
